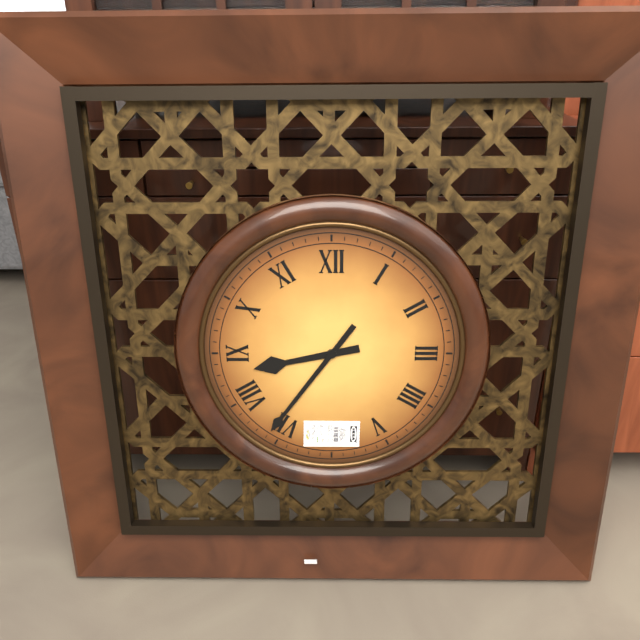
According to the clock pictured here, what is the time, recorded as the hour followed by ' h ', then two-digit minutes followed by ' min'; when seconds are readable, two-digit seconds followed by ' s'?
8 h 36 min
